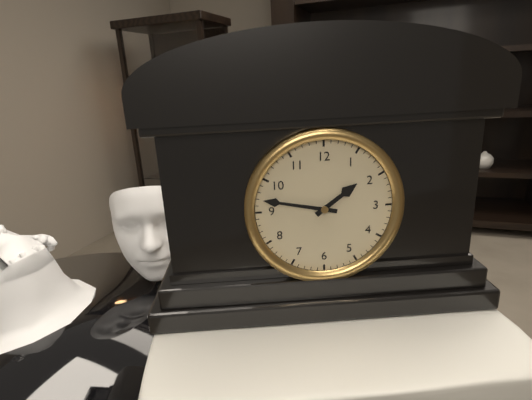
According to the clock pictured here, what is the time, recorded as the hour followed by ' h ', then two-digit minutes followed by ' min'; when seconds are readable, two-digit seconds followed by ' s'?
1 h 47 min
